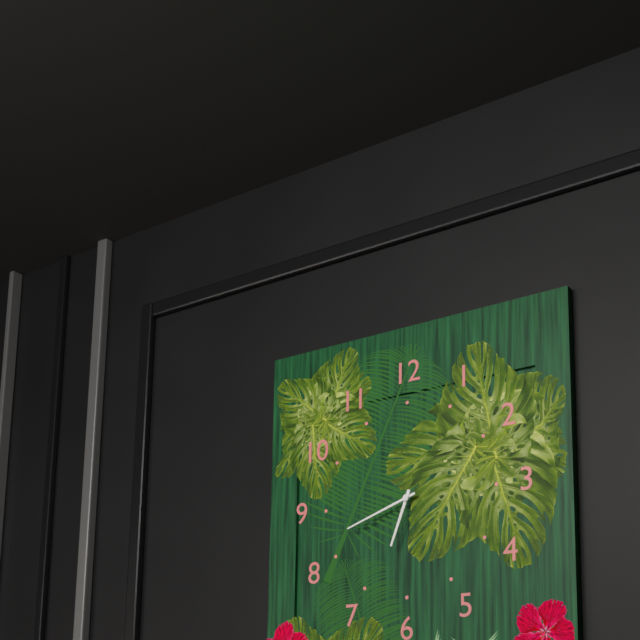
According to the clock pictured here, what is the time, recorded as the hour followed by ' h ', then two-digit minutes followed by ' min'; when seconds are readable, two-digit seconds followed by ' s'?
6 h 42 min
